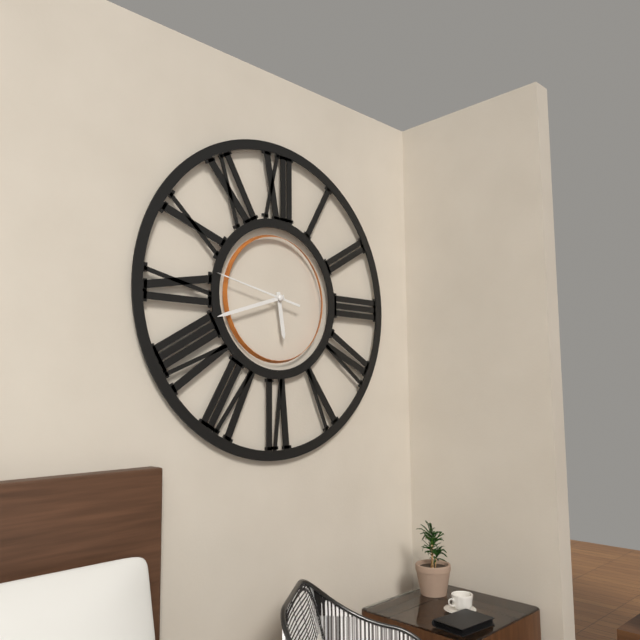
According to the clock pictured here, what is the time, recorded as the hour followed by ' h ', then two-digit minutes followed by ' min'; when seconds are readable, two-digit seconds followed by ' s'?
5 h 42 min 47 s
